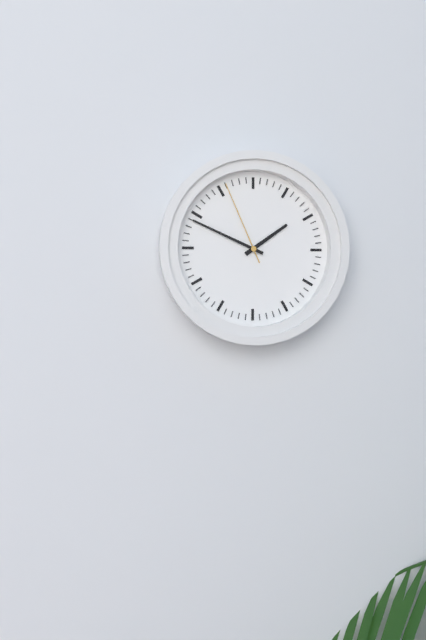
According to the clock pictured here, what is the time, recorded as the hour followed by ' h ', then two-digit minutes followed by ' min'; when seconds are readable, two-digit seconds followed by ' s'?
1 h 49 min 56 s
